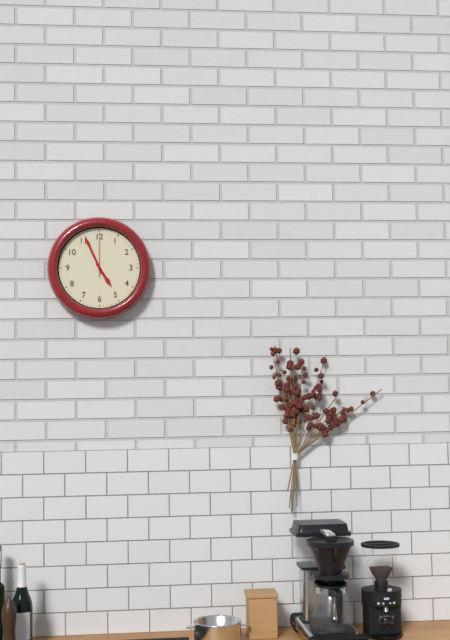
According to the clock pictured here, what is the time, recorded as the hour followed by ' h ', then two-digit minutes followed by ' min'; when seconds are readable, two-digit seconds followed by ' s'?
4 h 56 min
